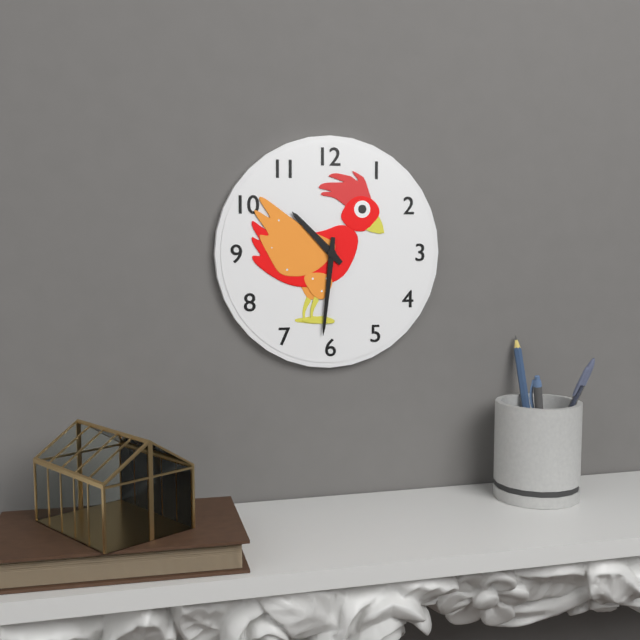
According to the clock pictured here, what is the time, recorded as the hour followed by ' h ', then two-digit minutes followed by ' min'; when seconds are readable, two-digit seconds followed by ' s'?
10 h 31 min
